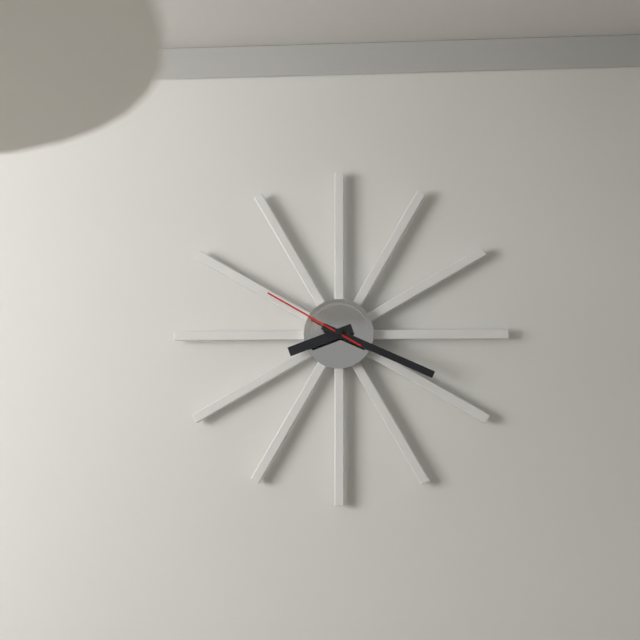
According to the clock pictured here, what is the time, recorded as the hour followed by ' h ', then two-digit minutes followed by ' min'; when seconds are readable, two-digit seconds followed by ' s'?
8 h 19 min 50 s
